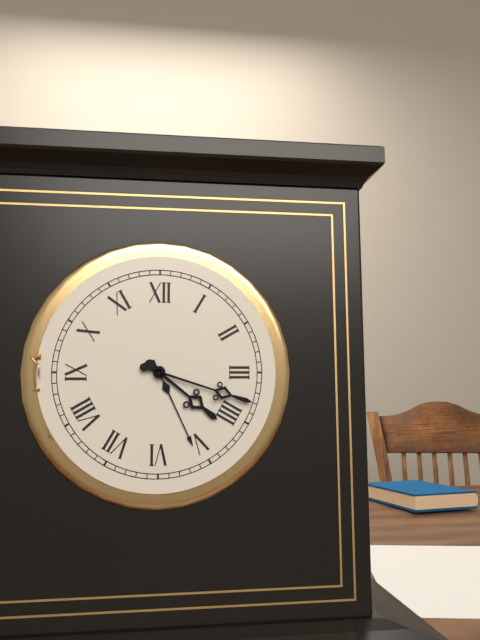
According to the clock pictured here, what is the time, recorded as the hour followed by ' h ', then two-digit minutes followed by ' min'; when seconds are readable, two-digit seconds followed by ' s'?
4 h 18 min
